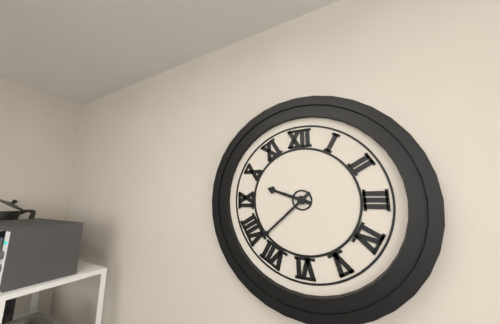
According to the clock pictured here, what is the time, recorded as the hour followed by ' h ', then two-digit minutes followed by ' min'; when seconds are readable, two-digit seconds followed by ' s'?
9 h 38 min
